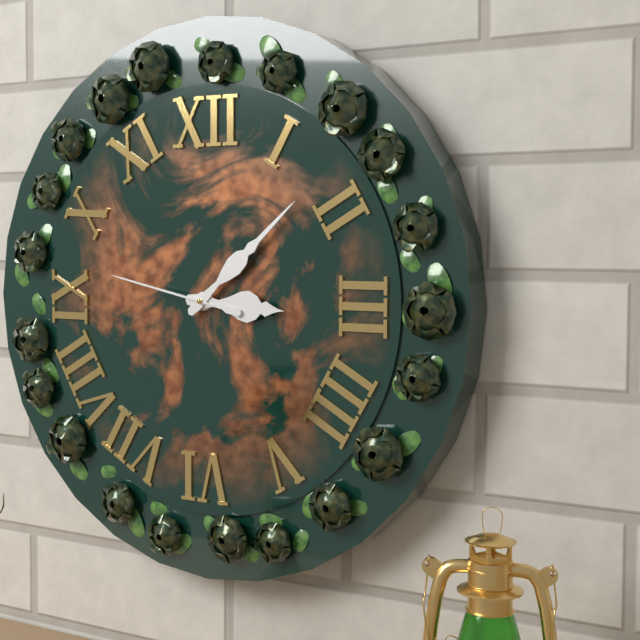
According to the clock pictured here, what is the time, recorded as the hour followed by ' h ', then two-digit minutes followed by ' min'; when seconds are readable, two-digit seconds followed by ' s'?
3 h 08 min 47 s
